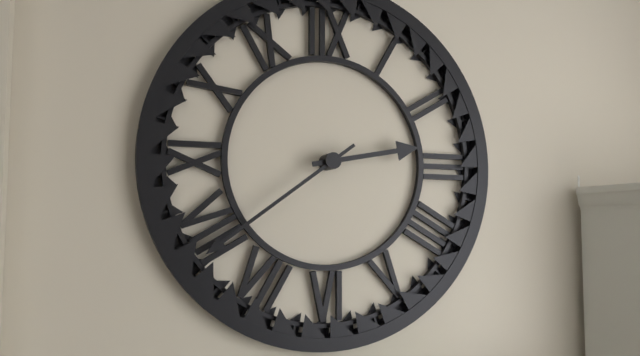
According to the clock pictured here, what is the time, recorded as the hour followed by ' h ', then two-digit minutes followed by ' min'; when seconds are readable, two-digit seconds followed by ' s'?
2 h 39 min
